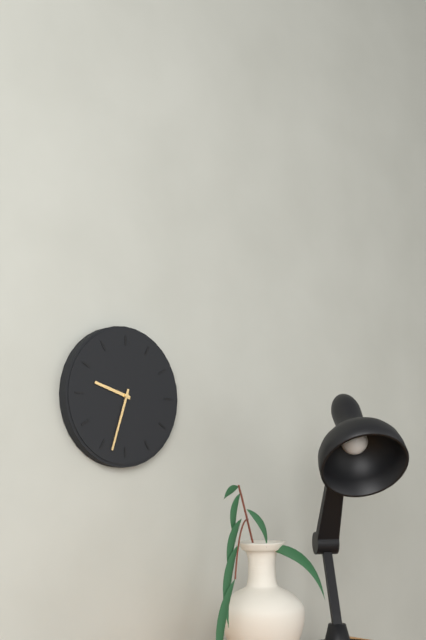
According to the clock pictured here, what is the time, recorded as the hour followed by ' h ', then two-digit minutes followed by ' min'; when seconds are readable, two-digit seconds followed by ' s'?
9 h 33 min
